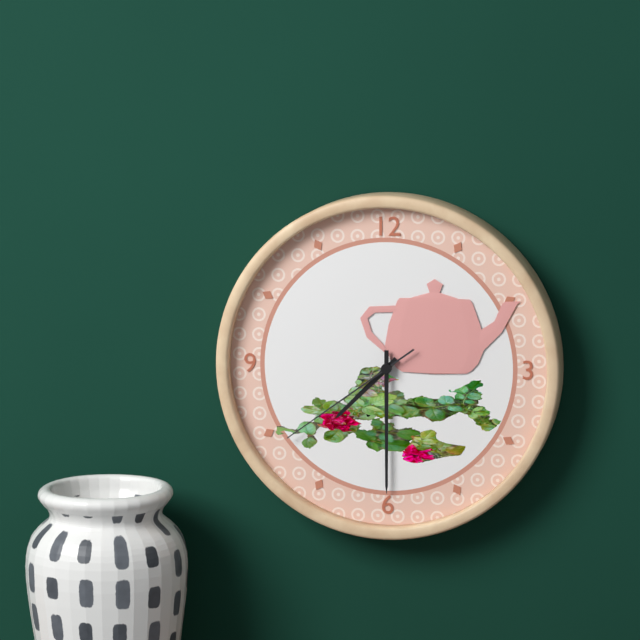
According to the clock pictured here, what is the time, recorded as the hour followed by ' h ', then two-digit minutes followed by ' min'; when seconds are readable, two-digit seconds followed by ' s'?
7 h 30 min 39 s
